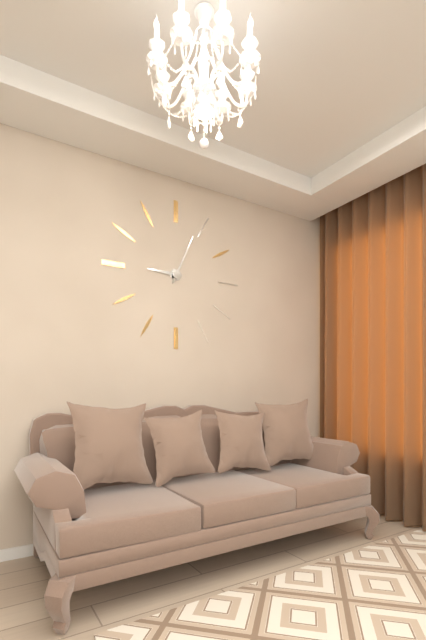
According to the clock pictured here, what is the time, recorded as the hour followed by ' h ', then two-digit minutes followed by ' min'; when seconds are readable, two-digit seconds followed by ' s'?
9 h 04 min
